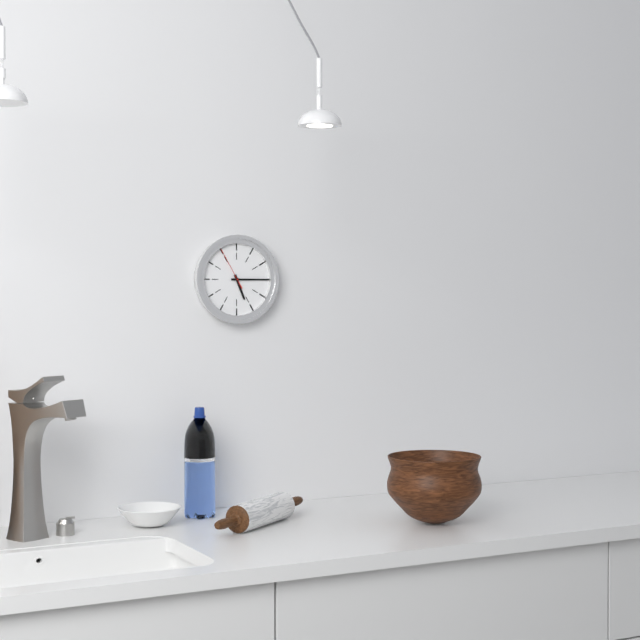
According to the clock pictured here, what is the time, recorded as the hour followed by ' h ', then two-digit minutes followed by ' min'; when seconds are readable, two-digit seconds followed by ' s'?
5 h 15 min
